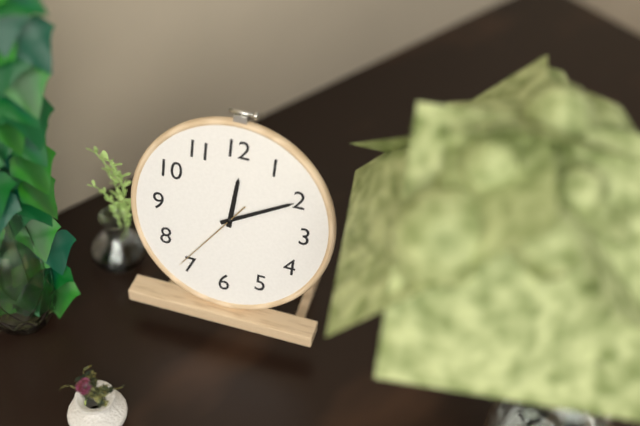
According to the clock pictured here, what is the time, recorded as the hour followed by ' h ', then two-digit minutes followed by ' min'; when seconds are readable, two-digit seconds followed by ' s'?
12 h 10 min 36 s
